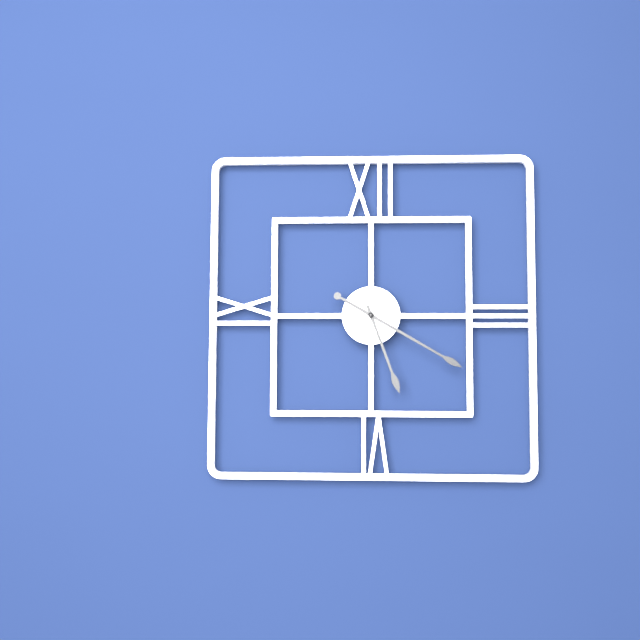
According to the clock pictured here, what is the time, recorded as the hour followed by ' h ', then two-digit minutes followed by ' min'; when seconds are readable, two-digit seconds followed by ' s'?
5 h 20 min
